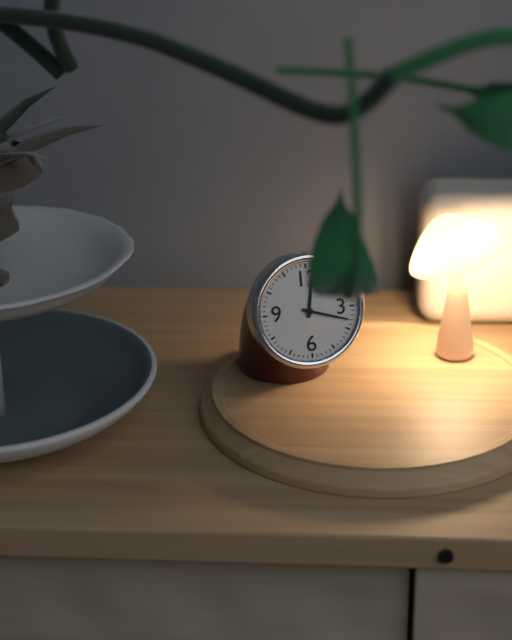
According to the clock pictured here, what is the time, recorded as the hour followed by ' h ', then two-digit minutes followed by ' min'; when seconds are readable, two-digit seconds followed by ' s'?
12 h 18 min
